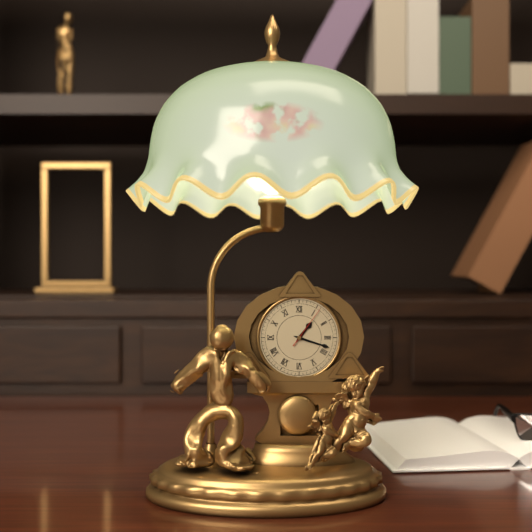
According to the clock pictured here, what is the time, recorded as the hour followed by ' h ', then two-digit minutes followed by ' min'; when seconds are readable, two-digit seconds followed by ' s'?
1 h 18 min
